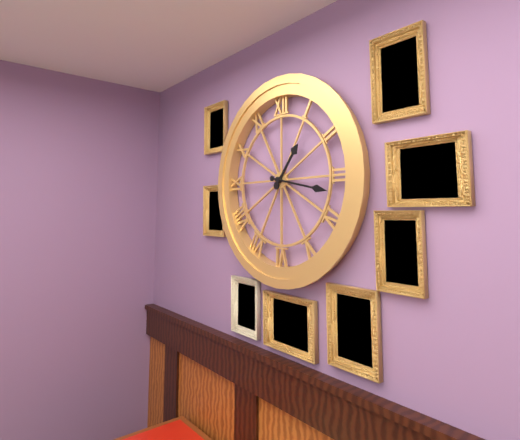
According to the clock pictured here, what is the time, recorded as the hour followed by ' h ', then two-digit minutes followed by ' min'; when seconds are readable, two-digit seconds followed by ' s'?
1 h 17 min
